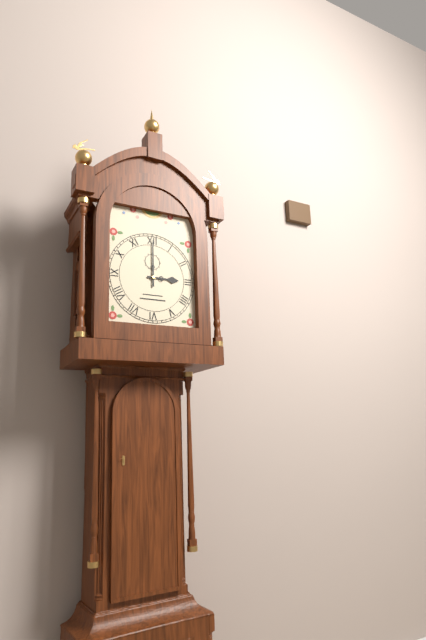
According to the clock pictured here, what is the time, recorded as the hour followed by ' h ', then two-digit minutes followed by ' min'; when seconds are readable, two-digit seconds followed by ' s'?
3 h 00 min
